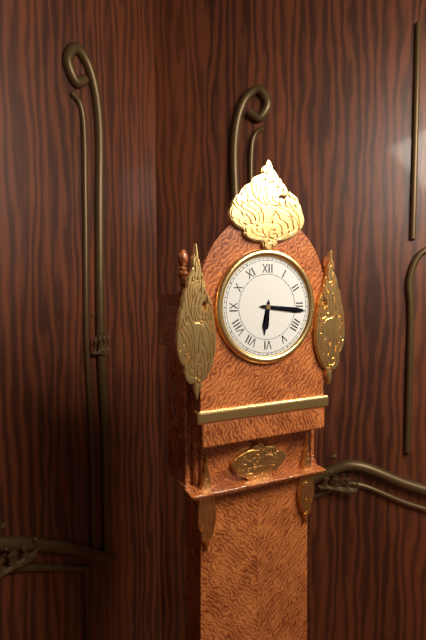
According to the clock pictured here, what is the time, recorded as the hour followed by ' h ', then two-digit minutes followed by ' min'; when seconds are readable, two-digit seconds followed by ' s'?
6 h 16 min
